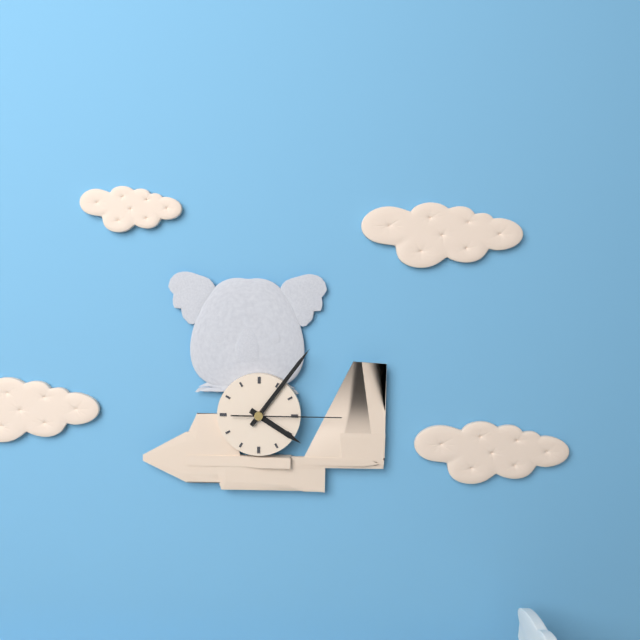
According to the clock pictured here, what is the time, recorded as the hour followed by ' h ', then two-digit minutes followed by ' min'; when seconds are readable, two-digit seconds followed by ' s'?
4 h 06 min 15 s
